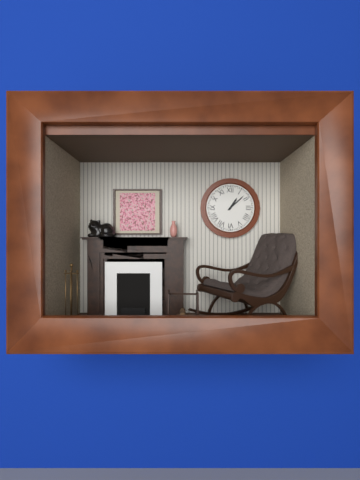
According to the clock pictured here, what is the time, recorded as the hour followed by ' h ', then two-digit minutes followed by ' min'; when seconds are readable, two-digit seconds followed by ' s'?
1 h 08 min
